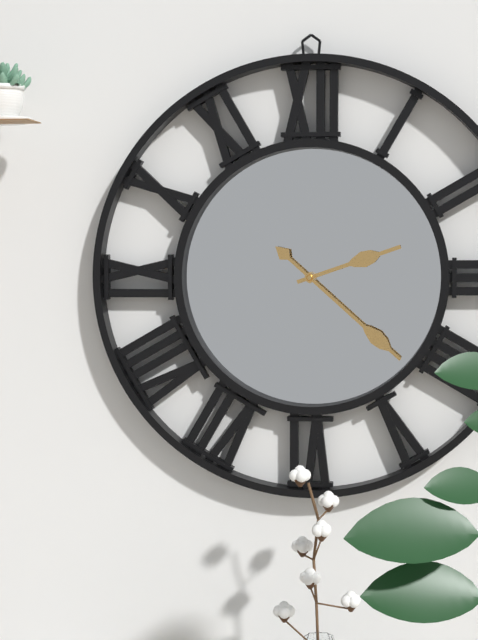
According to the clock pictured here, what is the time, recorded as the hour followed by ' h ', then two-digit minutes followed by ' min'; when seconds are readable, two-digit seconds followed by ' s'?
2 h 22 min
